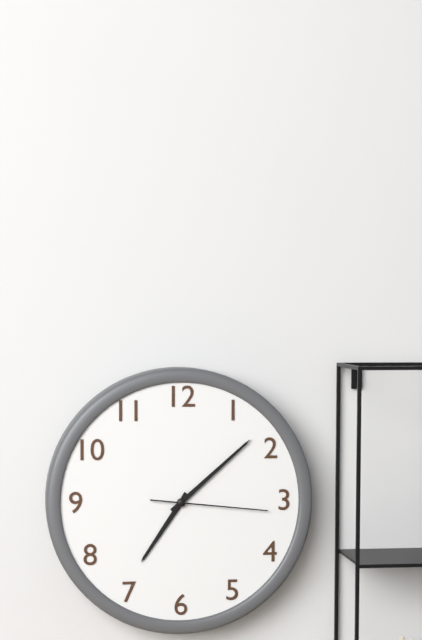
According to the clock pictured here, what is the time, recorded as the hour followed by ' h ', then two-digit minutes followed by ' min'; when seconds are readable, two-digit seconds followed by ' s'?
7 h 08 min 16 s
